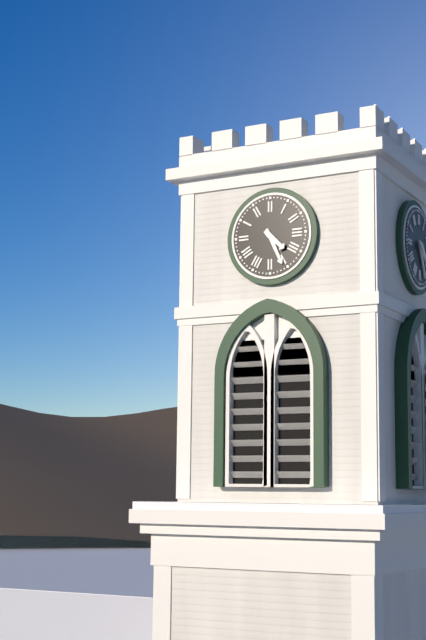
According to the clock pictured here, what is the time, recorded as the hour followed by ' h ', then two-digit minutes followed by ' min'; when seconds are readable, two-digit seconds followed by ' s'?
4 h 26 min
